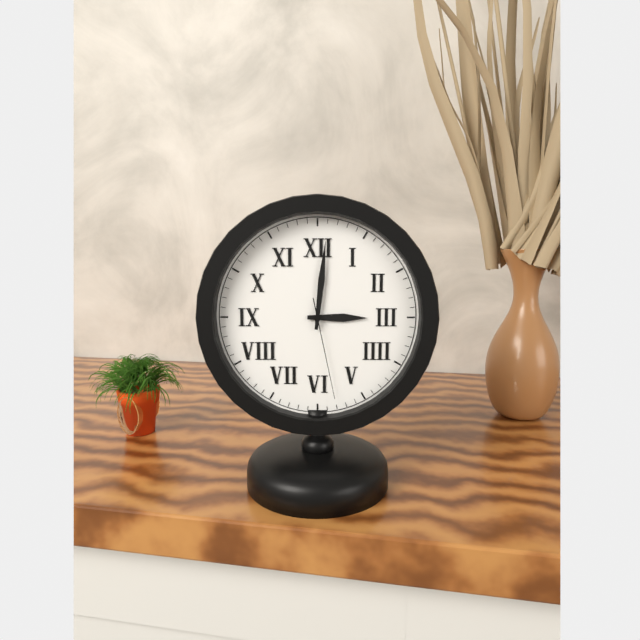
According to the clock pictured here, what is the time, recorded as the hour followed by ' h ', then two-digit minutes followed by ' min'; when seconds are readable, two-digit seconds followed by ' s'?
3 h 01 min 28 s
